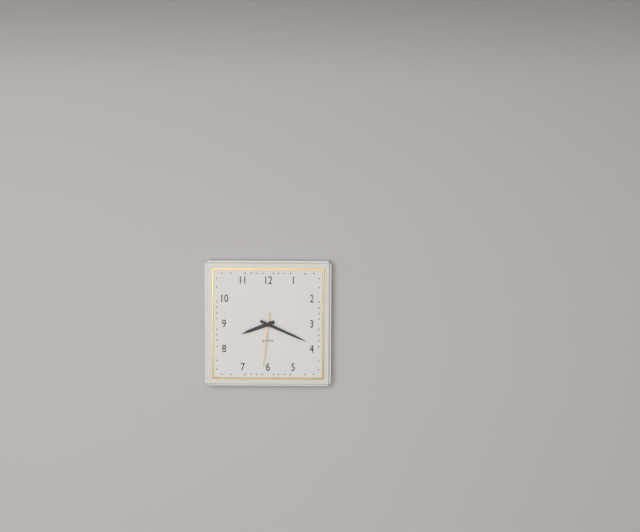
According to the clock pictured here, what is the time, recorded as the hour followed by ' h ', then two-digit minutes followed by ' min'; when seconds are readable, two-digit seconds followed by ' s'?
8 h 19 min 31 s
